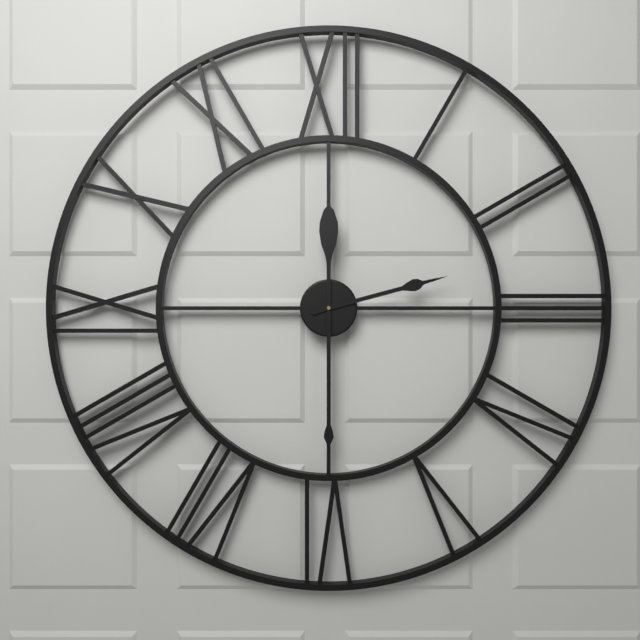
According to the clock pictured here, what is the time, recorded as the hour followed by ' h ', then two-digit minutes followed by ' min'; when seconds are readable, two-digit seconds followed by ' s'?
2 h 30 min
